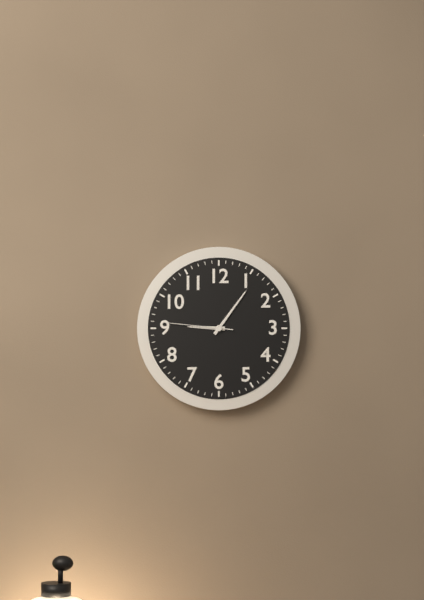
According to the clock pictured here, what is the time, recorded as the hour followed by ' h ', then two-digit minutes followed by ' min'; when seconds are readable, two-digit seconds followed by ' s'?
9 h 06 min 46 s
